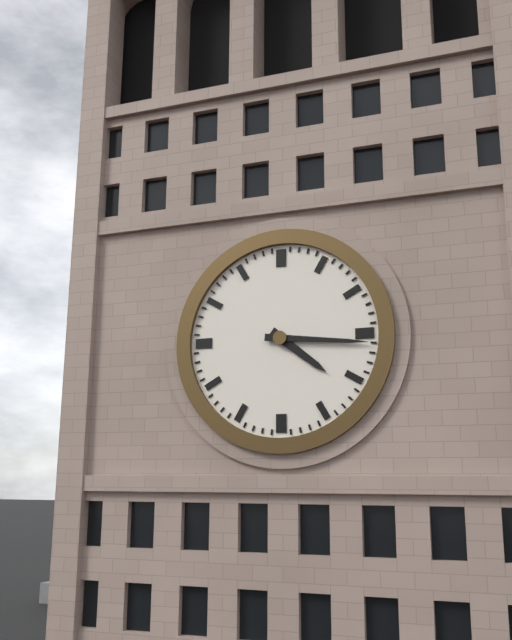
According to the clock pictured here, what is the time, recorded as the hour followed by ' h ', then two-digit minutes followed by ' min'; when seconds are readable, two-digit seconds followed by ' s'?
4 h 16 min
